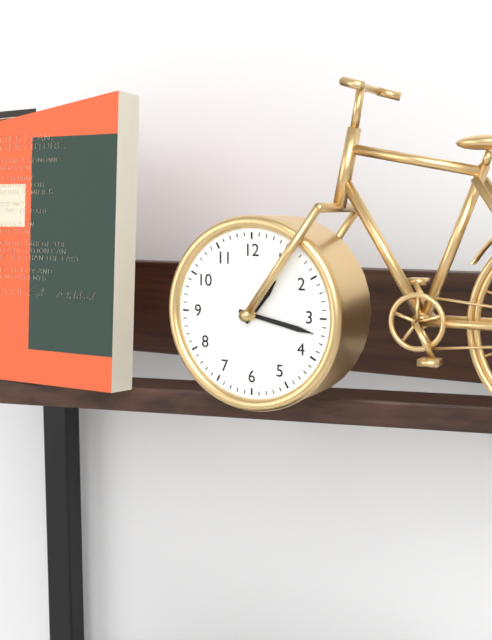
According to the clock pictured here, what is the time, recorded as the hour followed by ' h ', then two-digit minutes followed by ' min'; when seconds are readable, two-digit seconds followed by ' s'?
1 h 17 min
